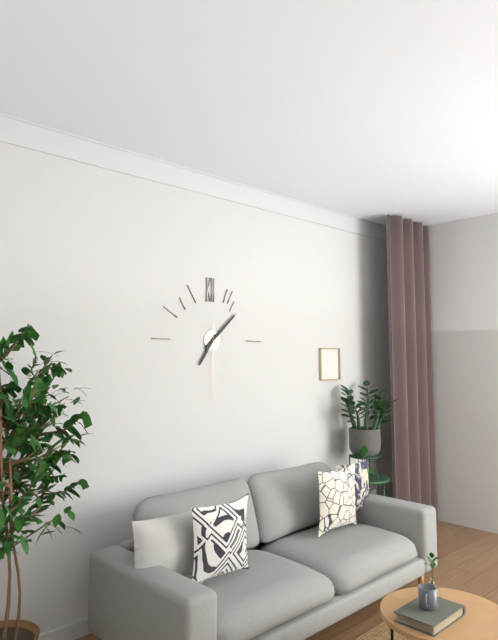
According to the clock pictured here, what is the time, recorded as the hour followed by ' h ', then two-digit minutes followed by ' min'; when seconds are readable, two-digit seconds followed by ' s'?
7 h 08 min 30 s
